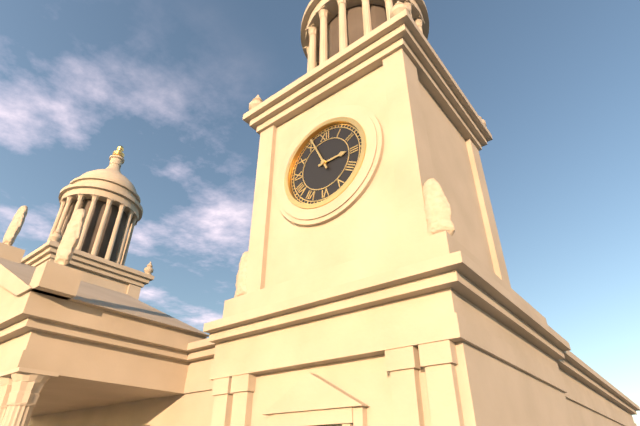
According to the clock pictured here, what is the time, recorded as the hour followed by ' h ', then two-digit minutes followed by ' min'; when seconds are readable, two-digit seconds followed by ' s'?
2 h 56 min
